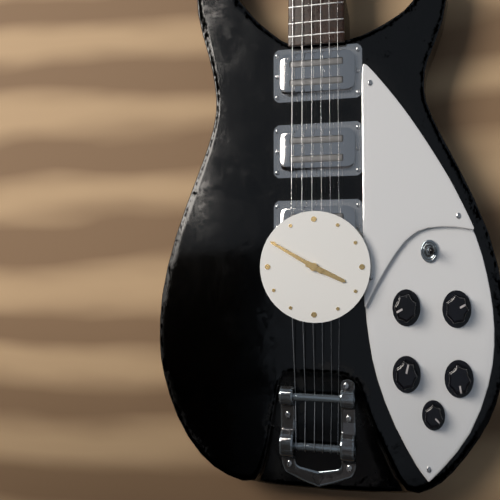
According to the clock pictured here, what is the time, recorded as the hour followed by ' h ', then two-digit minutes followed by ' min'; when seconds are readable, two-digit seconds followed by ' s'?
3 h 50 min
